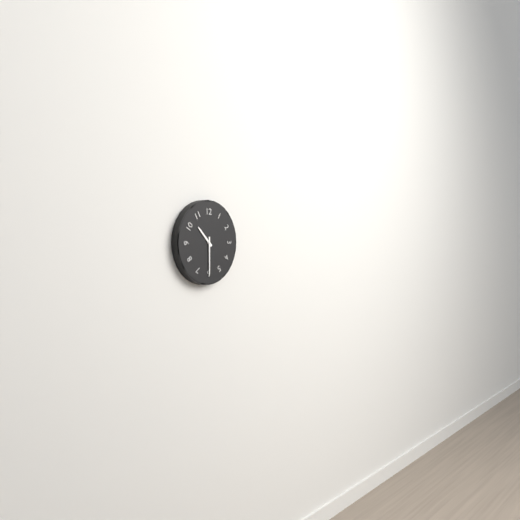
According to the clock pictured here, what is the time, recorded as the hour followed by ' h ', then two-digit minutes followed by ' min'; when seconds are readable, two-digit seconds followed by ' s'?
10 h 30 min
